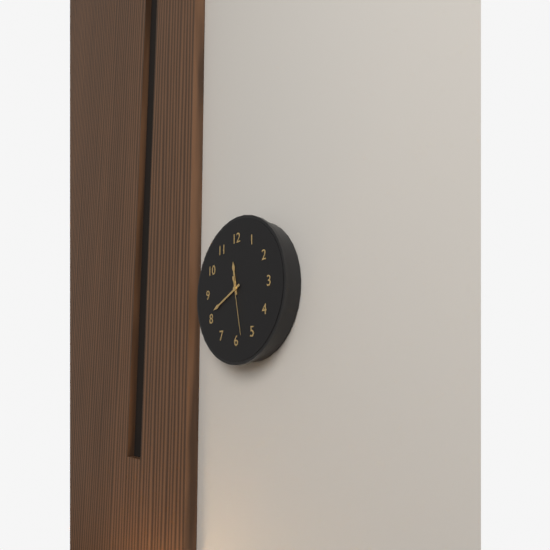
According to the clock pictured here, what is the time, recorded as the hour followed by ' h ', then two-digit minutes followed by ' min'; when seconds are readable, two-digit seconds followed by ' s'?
11 h 41 min 28 s
